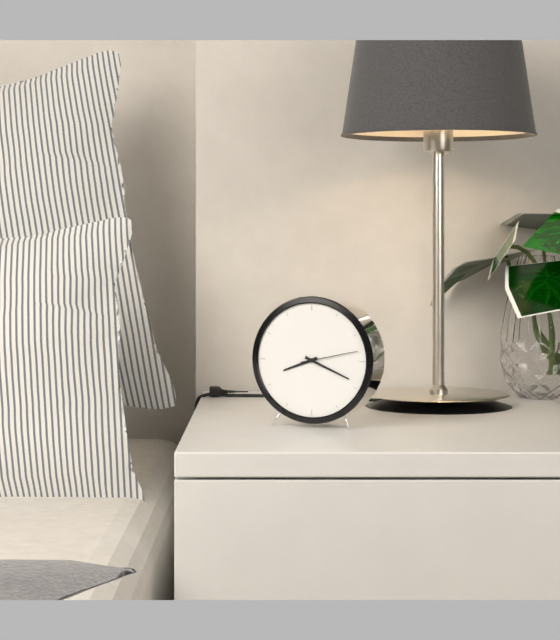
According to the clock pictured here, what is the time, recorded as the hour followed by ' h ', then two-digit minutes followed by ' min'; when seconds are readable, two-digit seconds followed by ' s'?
8 h 19 min 13 s
